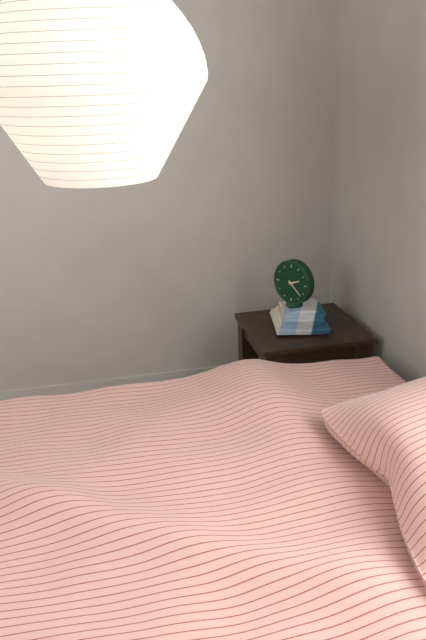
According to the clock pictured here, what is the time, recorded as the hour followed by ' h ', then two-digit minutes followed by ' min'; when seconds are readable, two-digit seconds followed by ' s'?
2 h 22 min
